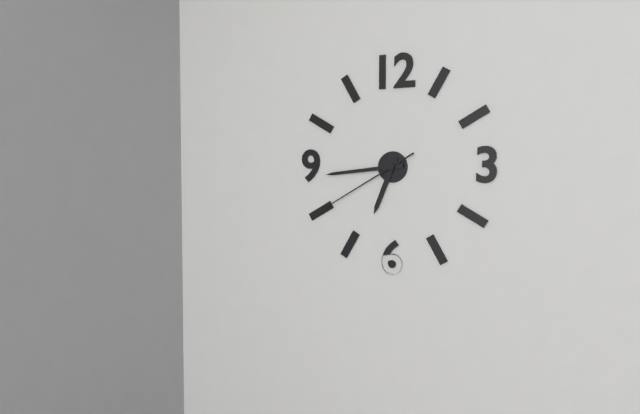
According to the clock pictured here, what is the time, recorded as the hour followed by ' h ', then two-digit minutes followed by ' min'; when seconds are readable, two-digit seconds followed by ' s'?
6 h 44 min 40 s
